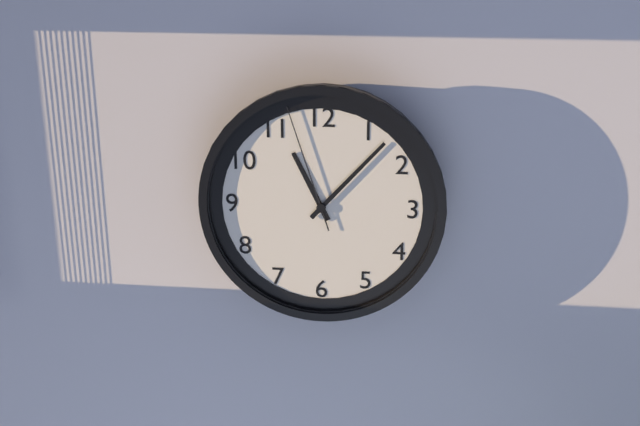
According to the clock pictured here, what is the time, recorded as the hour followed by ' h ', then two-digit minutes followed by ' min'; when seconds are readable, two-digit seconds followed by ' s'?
11 h 07 min 57 s
